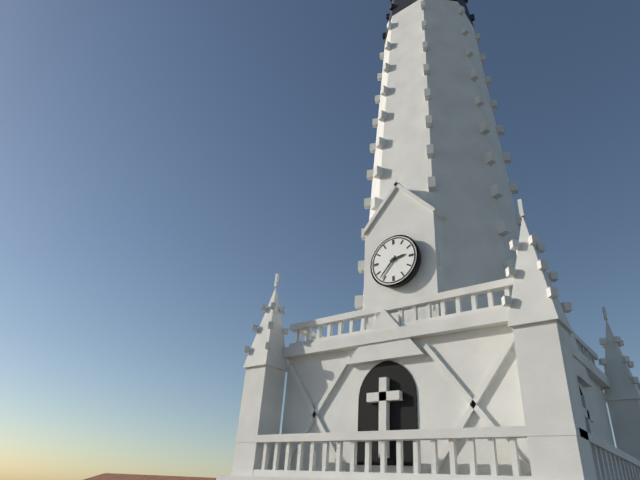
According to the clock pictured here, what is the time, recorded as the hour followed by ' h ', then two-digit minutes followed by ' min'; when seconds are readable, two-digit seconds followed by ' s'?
2 h 37 min
